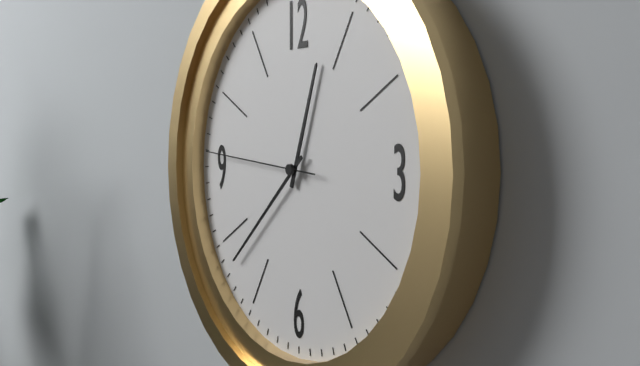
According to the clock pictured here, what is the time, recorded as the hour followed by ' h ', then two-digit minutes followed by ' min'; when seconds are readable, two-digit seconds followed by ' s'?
12 h 38 min 46 s
